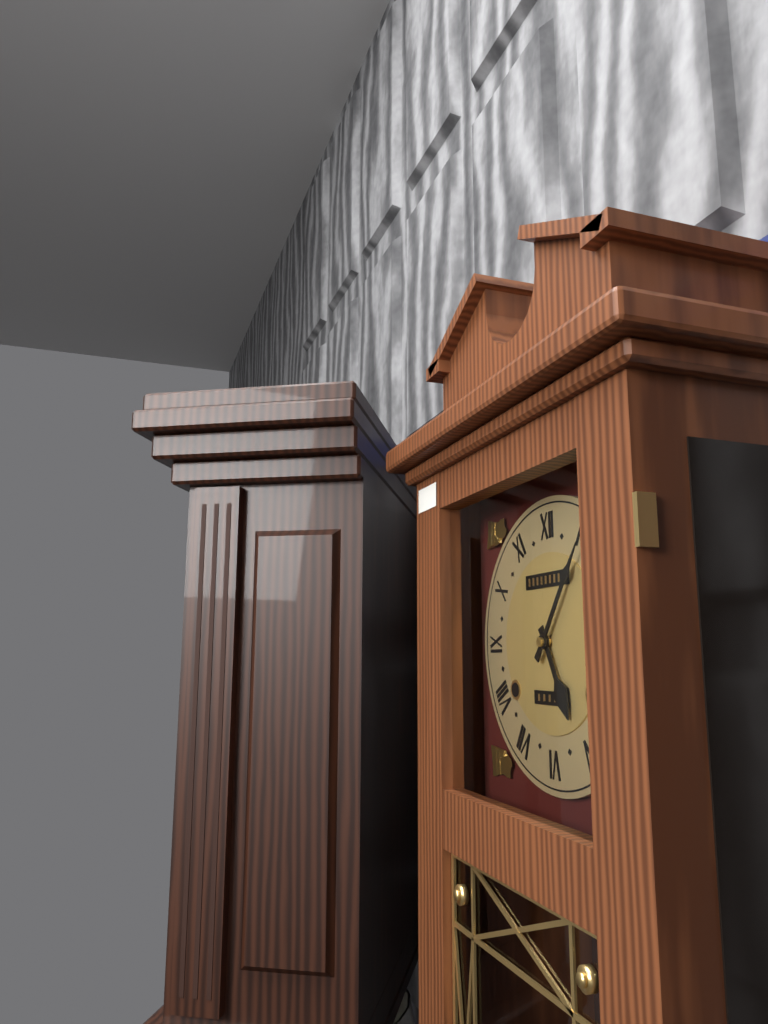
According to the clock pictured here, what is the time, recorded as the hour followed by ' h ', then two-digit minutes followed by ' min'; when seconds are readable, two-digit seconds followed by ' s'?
5 h 06 min
